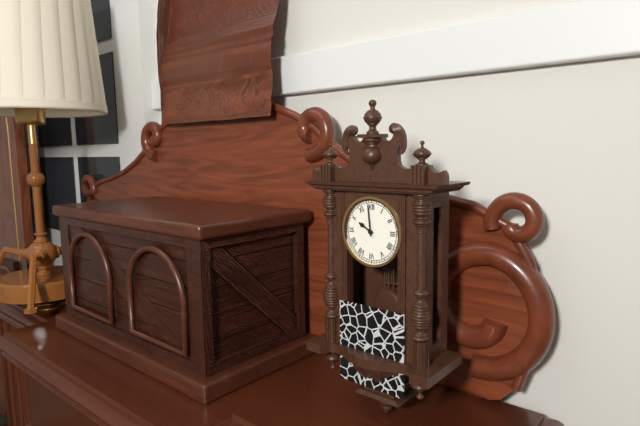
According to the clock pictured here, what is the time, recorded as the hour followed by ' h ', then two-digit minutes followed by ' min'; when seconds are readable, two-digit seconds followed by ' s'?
9 h 59 min
